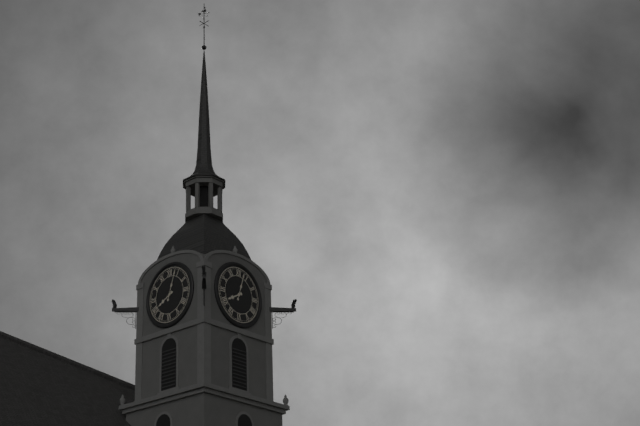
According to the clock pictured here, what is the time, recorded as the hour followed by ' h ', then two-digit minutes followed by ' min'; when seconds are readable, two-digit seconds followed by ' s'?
8 h 03 min
